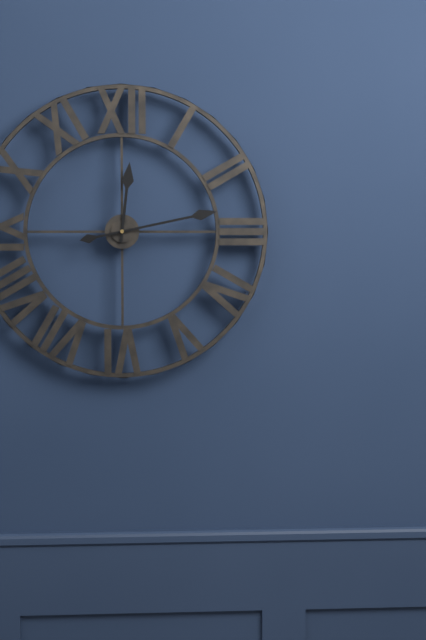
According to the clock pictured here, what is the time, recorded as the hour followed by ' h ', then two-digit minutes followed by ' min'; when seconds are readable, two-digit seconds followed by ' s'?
12 h 13 min
